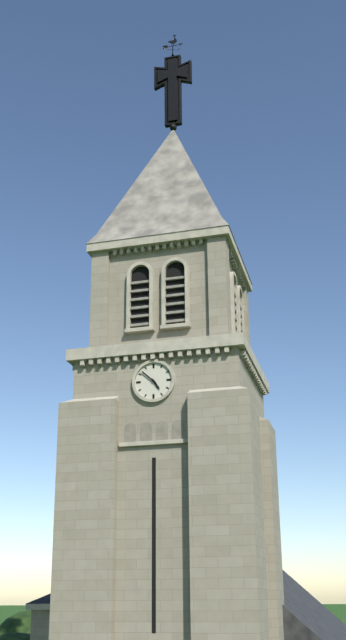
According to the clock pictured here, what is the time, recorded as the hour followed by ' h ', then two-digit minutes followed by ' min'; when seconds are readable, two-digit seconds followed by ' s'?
4 h 52 min
